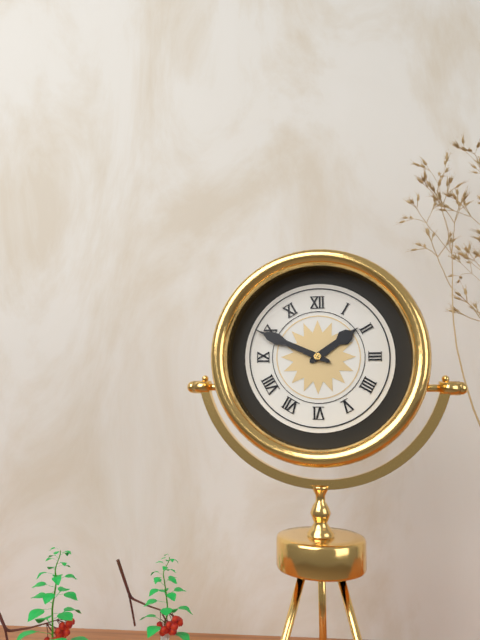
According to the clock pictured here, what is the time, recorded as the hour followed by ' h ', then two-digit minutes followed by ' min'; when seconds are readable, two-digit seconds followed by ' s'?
1 h 49 min
